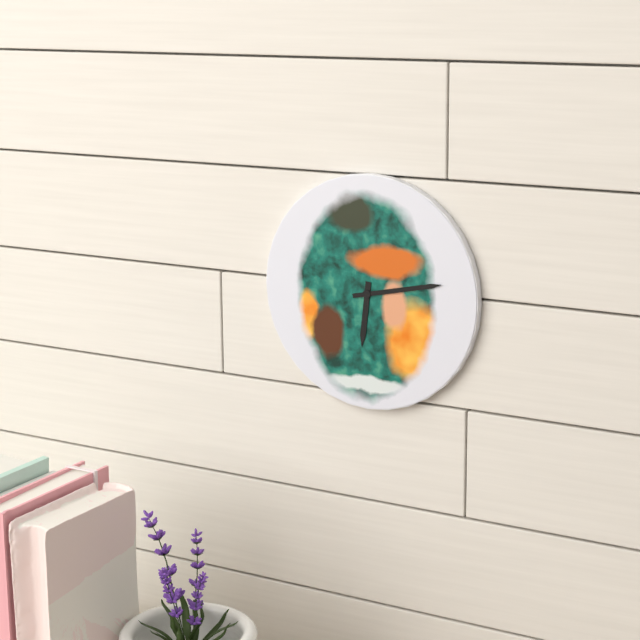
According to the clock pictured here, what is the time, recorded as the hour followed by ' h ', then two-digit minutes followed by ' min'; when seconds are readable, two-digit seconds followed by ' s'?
6 h 13 min
